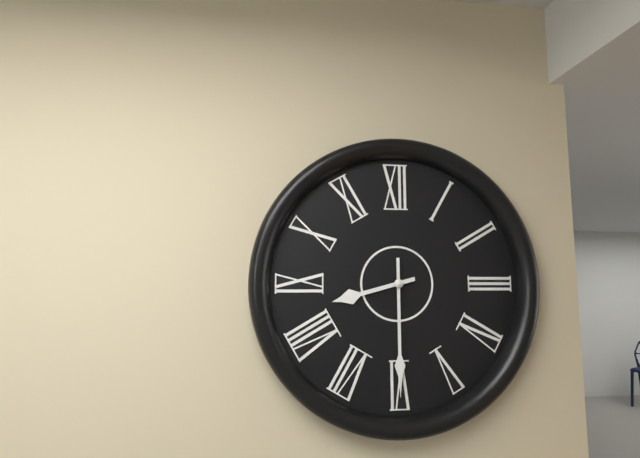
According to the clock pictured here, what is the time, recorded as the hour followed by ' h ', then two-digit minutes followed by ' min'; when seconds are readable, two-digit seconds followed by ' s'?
8 h 30 min
